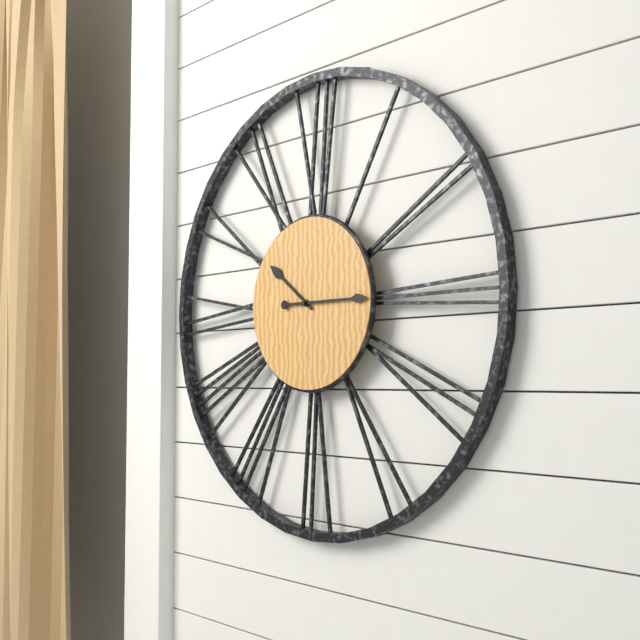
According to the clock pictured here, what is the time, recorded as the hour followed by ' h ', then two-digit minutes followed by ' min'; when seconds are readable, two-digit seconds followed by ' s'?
10 h 15 min
